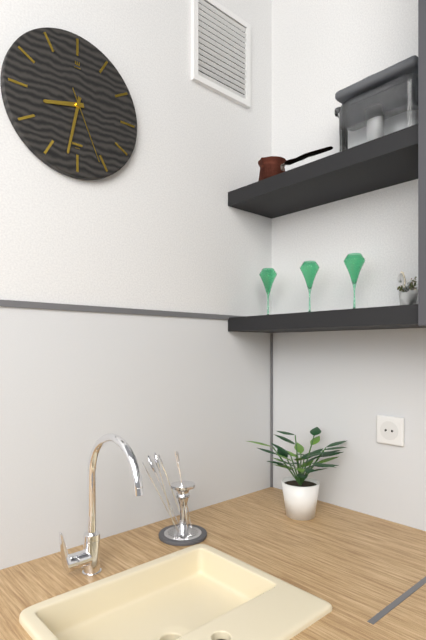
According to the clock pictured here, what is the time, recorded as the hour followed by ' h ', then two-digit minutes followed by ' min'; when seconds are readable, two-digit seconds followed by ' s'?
8 h 32 min 26 s
